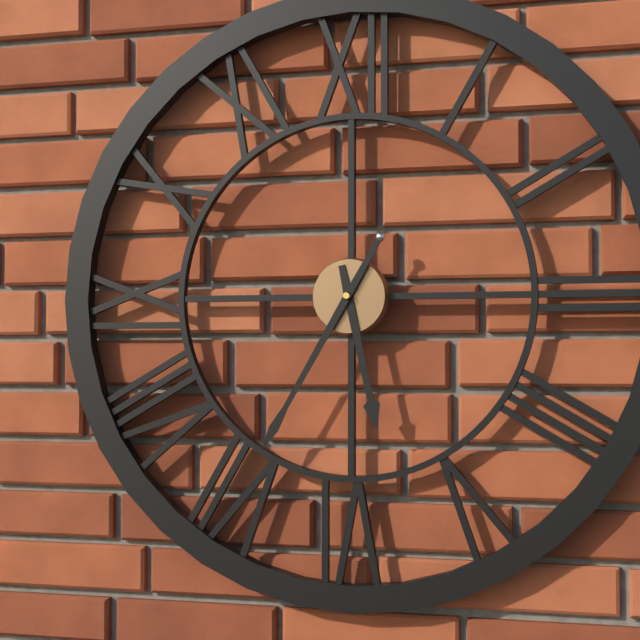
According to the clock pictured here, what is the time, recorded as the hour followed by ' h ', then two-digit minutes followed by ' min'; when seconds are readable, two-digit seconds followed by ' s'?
5 h 35 min
